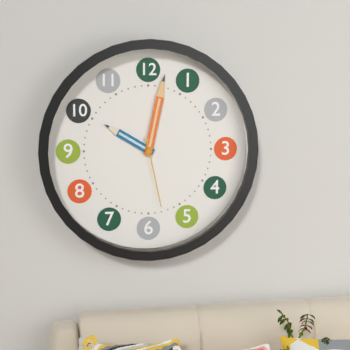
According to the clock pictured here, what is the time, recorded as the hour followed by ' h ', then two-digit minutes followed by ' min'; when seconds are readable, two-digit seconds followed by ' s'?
10 h 02 min 28 s
